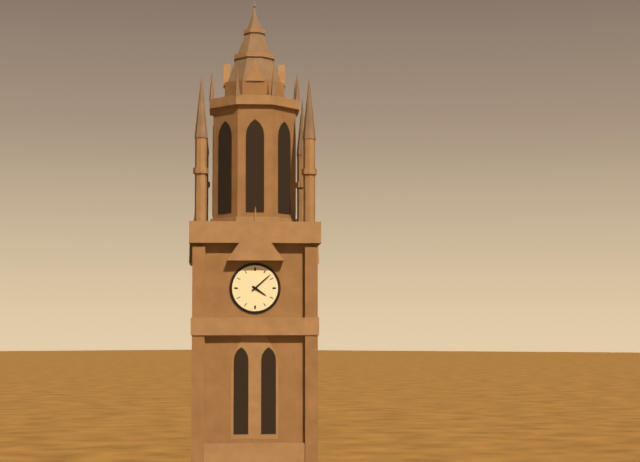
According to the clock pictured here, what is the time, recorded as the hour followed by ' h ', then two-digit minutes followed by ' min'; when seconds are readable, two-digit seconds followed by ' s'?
4 h 08 min
